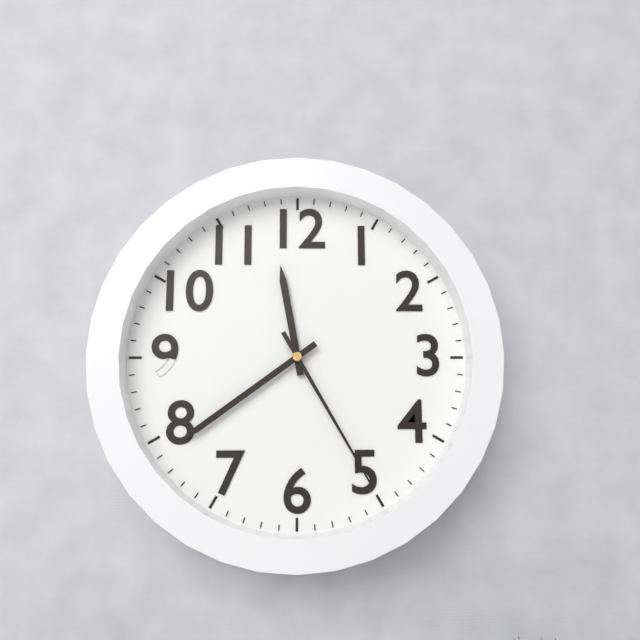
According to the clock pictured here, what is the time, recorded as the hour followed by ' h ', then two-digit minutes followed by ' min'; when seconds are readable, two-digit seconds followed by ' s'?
11 h 39 min 25 s
